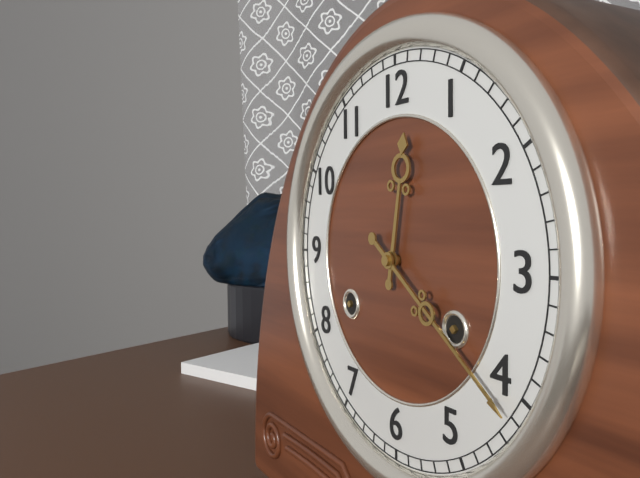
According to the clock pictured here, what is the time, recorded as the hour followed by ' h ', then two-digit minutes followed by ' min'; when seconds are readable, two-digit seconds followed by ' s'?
12 h 21 min
